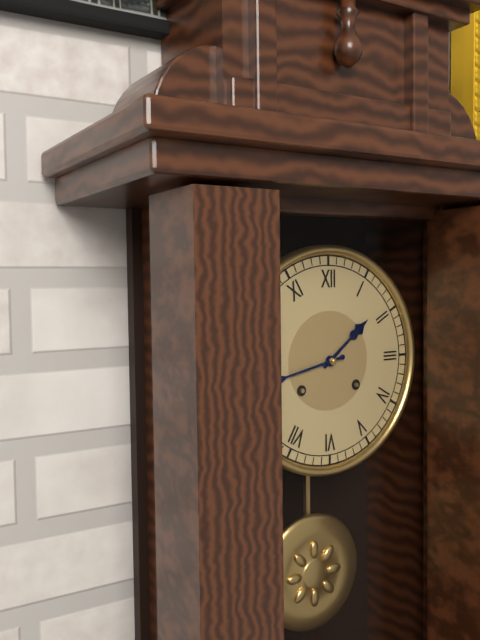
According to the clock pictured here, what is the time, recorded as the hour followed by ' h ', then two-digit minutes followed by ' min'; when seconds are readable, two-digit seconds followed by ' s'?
1 h 43 min
